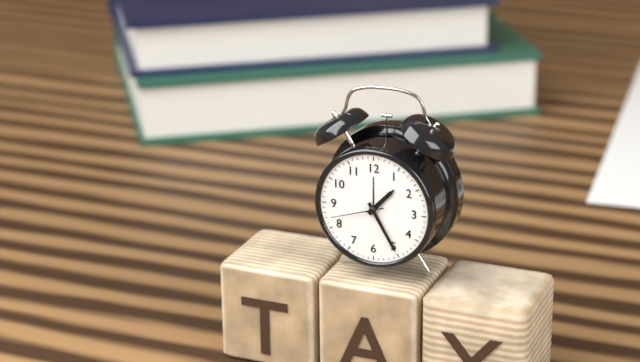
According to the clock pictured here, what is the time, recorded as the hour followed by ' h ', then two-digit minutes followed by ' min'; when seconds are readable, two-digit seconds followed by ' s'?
1 h 25 min 42 s
